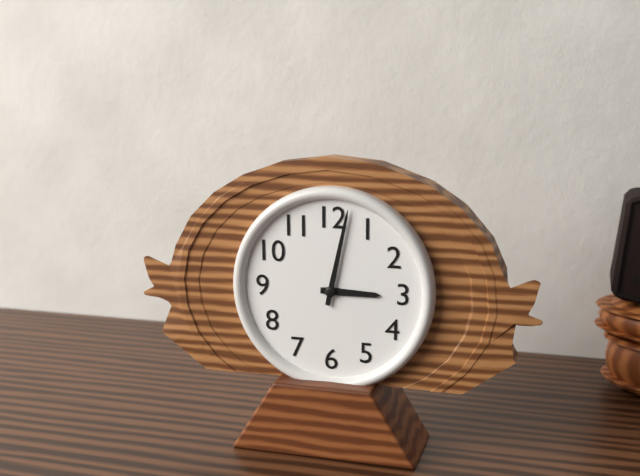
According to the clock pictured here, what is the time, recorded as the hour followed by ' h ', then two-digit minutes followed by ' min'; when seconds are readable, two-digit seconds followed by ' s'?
3 h 02 min
